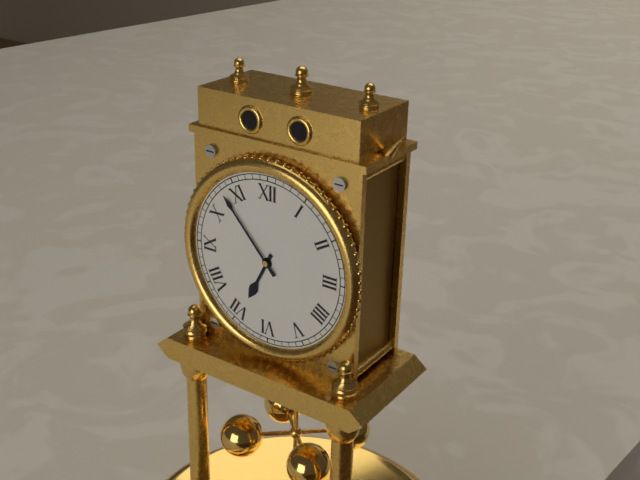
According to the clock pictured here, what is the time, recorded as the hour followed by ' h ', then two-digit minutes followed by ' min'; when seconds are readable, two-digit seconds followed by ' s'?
6 h 53 min
